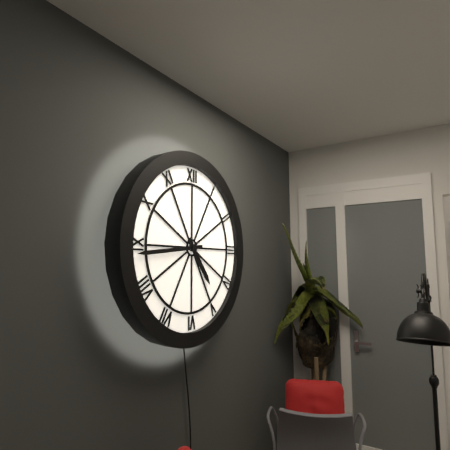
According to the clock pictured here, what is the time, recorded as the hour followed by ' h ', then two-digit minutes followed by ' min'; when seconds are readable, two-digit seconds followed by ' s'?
4 h 44 min
